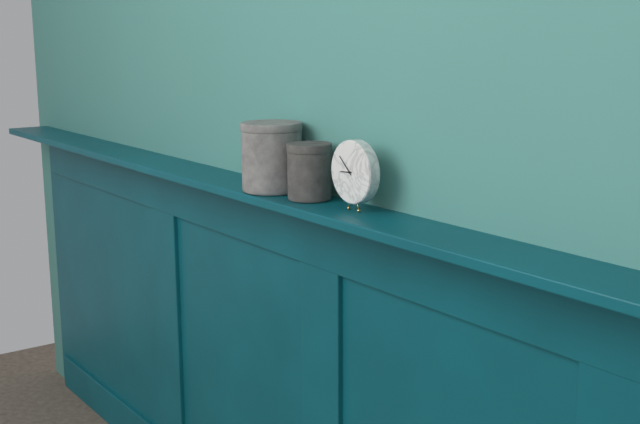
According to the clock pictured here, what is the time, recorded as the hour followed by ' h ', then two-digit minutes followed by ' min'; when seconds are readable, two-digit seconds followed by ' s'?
8 h 52 min
